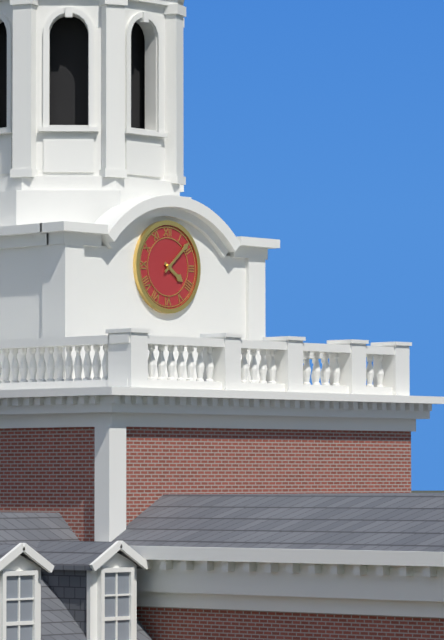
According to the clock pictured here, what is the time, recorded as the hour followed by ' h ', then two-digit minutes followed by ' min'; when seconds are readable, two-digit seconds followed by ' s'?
4 h 08 min
